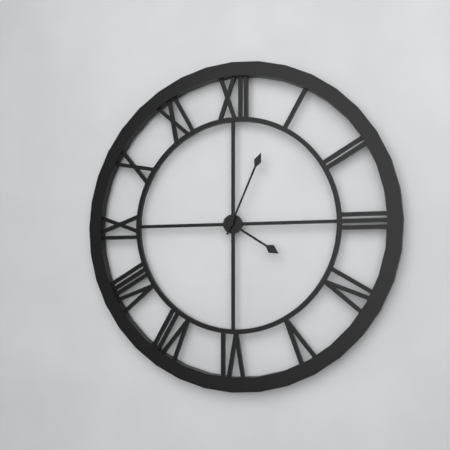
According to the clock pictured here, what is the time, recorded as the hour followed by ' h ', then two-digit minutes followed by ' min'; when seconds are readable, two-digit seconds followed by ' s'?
4 h 04 min
